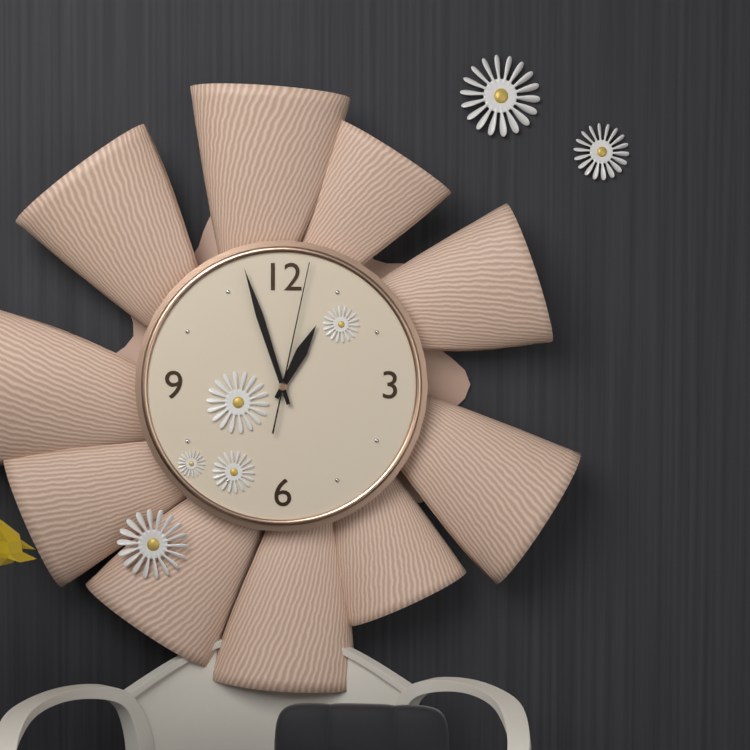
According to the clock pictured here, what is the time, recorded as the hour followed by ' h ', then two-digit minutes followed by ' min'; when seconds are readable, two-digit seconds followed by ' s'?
12 h 57 min 02 s
